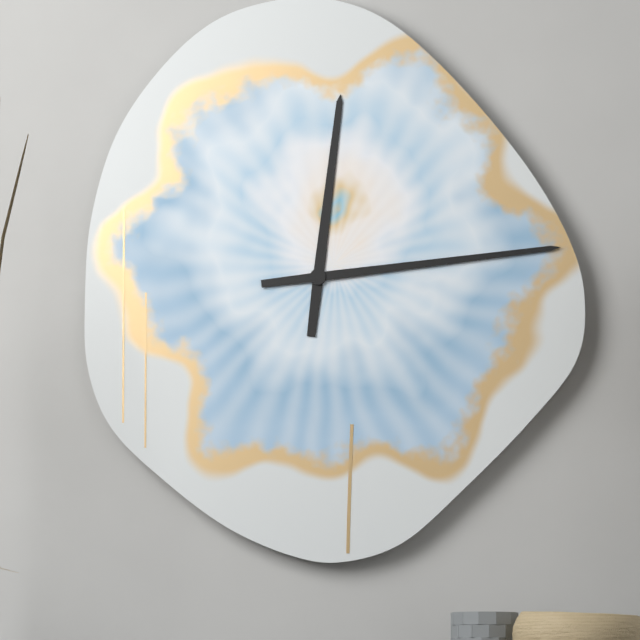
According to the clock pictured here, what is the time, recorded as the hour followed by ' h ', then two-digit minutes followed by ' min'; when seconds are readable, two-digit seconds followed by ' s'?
12 h 14 min
